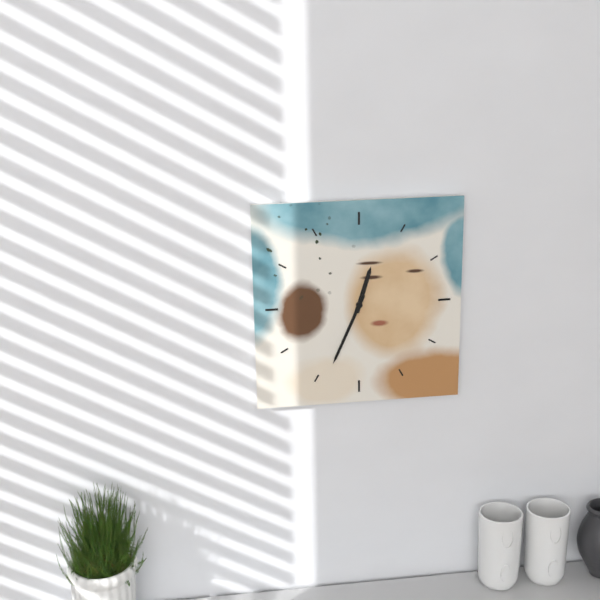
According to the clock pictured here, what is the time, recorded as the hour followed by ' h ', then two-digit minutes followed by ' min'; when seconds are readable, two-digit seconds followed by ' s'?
12 h 34 min
